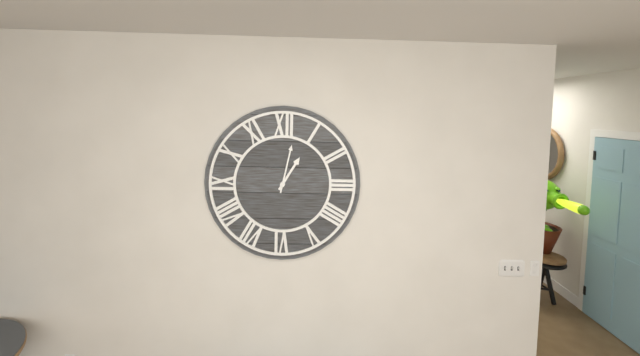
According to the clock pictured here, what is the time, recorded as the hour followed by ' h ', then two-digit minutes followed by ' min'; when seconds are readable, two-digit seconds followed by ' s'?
1 h 02 min
